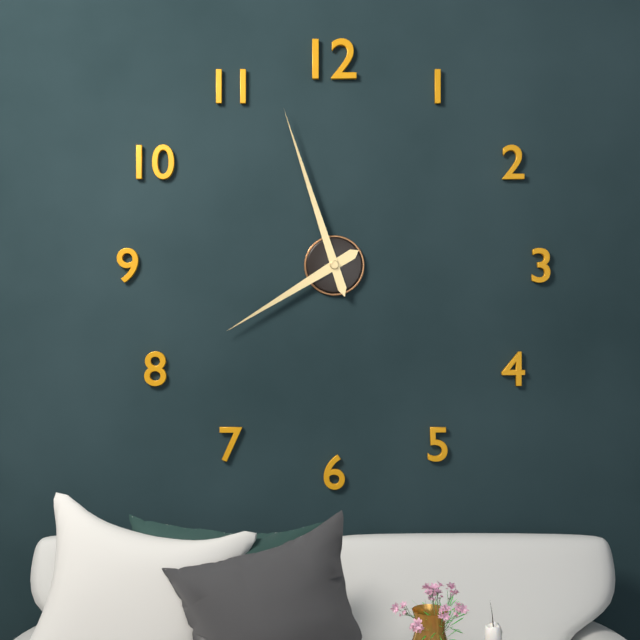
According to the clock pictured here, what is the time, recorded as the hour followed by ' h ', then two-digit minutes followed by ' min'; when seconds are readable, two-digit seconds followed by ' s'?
7 h 57 min
